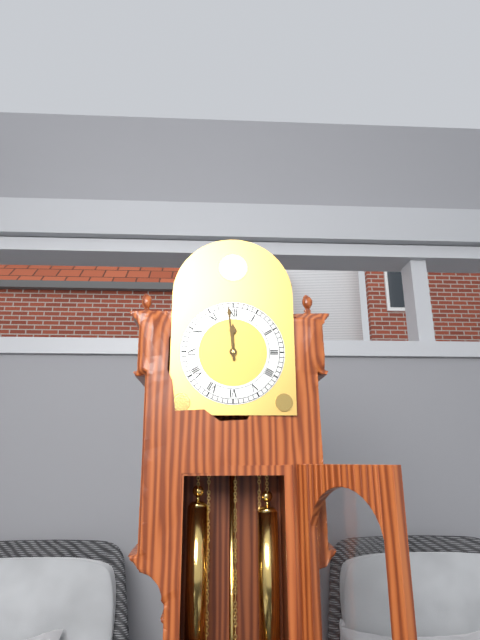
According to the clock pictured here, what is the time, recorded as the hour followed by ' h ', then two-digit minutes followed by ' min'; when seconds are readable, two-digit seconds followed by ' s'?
11 h 59 min
